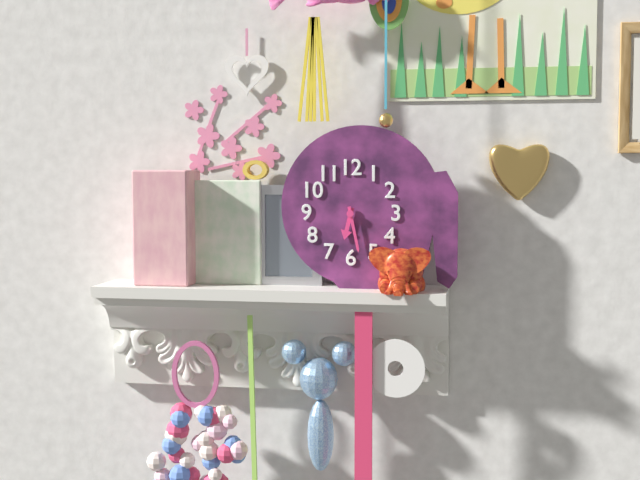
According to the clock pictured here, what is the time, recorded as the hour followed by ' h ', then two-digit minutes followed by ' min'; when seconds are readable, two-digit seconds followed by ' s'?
6 h 28 min
